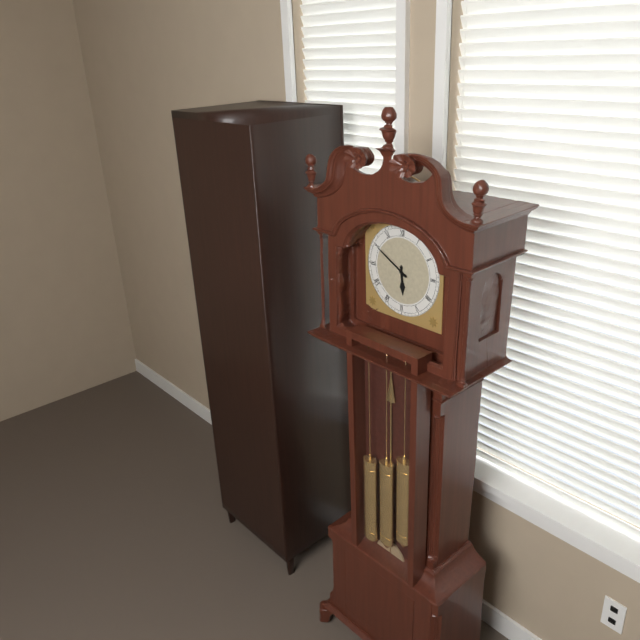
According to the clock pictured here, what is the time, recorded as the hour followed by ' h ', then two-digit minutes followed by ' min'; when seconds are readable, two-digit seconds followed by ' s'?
5 h 50 min
